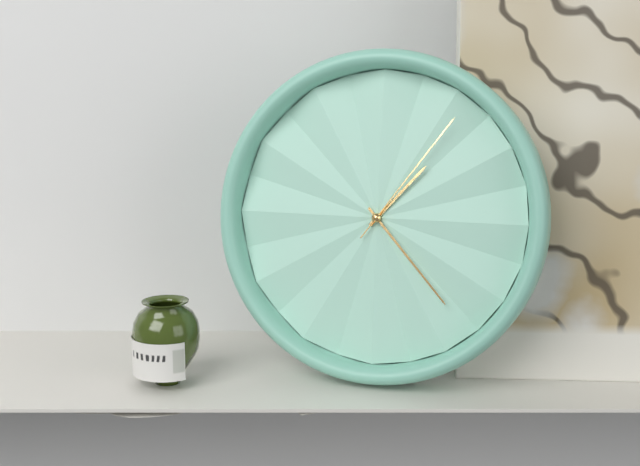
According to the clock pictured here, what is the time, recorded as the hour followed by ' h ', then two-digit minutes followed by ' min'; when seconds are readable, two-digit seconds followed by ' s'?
1 h 23 min 06 s
